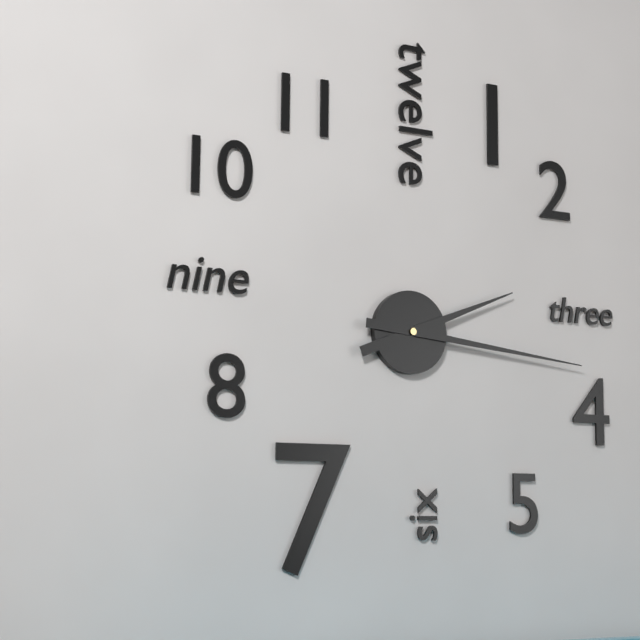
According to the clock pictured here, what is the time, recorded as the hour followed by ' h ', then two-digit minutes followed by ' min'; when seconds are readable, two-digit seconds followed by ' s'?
2 h 16 min
